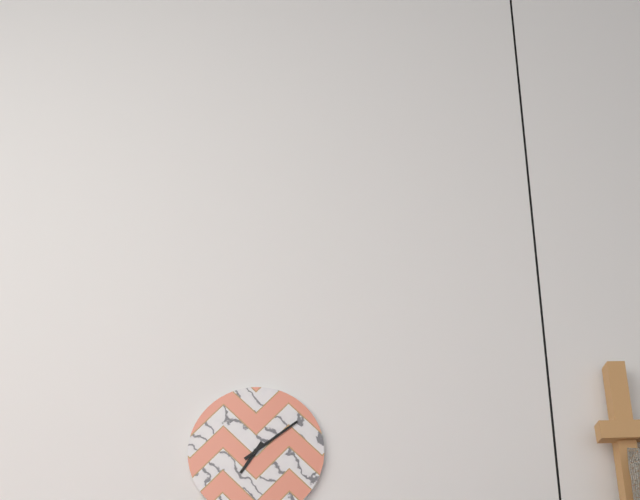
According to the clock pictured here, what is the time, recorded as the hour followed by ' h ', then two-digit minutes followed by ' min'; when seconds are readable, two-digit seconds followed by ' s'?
7 h 09 min
